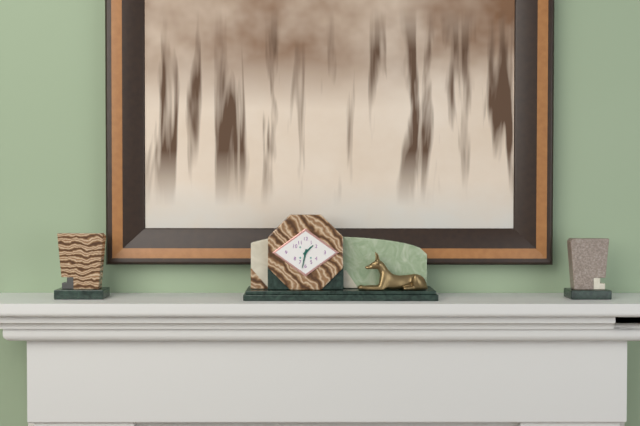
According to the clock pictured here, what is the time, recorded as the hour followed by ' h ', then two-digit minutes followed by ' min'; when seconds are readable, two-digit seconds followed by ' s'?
1 h 32 min
